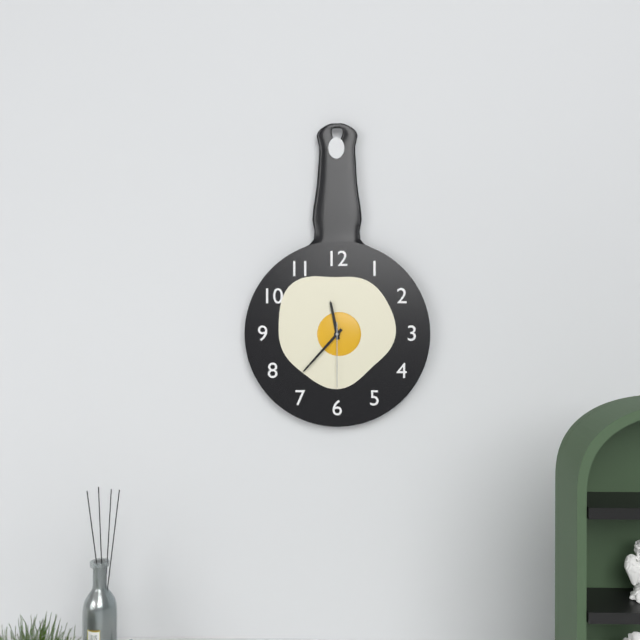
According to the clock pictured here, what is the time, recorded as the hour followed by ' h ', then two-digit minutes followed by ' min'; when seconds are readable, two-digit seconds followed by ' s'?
11 h 37 min 30 s
